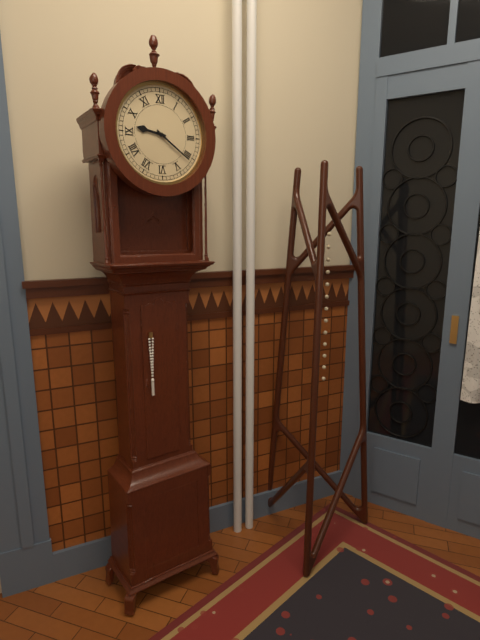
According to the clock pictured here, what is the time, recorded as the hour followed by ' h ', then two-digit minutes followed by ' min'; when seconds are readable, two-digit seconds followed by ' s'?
9 h 21 min
